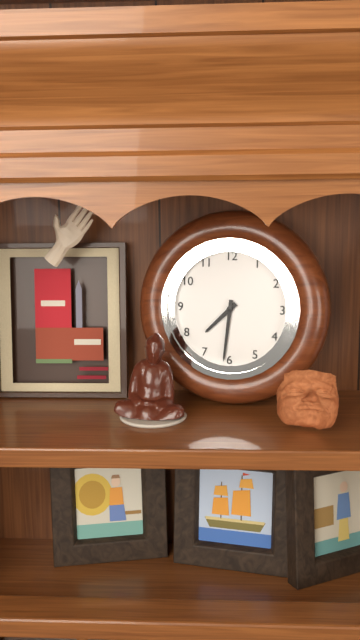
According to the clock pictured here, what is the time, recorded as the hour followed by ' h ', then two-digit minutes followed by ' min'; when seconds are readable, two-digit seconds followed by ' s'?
7 h 31 min
